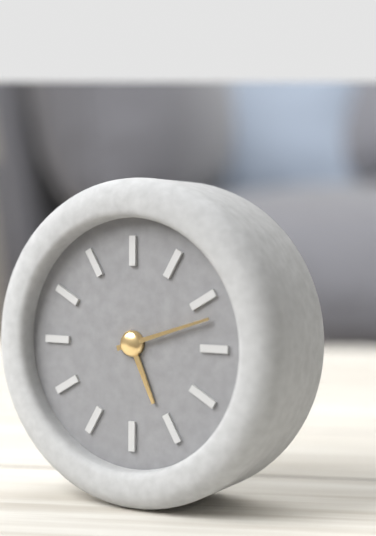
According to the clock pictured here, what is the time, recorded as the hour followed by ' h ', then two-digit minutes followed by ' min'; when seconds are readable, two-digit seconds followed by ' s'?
5 h 12 min
